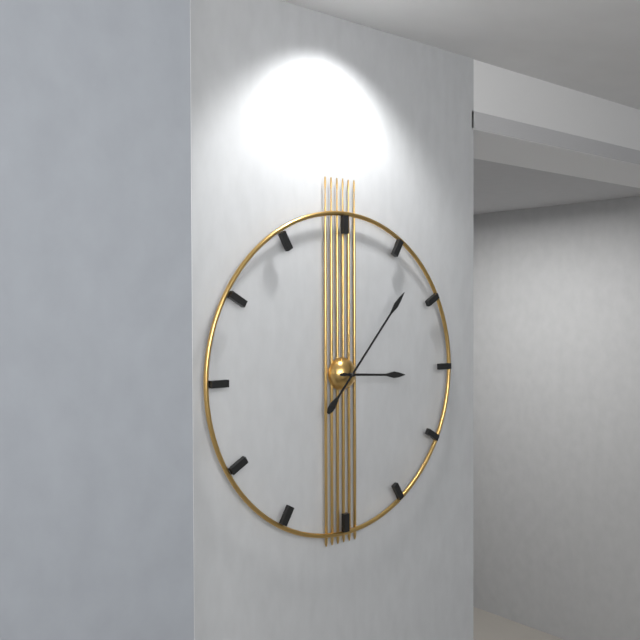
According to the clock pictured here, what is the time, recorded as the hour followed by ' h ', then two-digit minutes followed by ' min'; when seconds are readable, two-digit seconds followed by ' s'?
3 h 07 min
